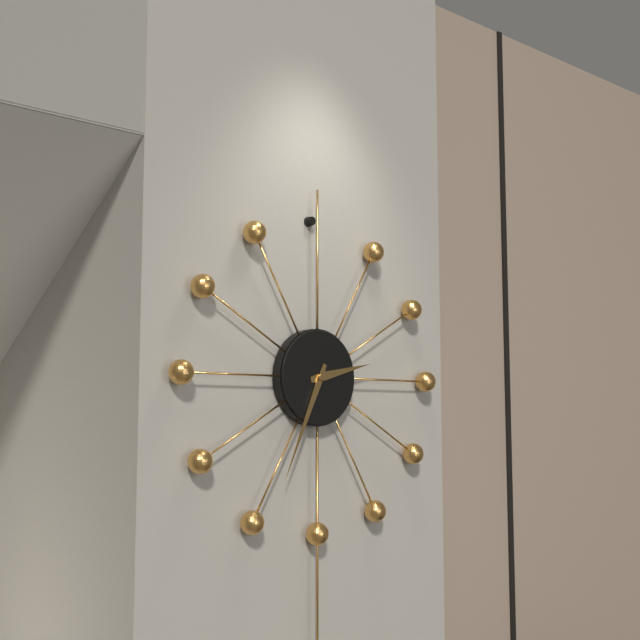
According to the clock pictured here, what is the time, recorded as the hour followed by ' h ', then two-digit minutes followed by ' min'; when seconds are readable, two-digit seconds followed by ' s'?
2 h 34 min
